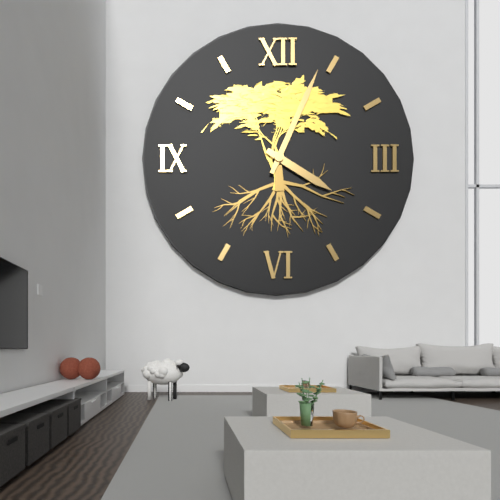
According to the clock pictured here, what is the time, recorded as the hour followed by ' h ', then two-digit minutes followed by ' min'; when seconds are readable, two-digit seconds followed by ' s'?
4 h 04 min
